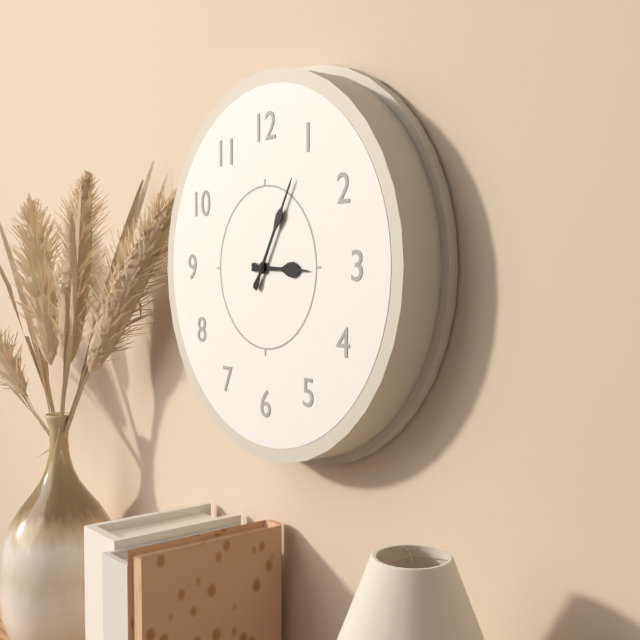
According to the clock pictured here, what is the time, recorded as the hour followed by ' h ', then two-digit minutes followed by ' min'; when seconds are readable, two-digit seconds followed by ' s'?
3 h 05 min
